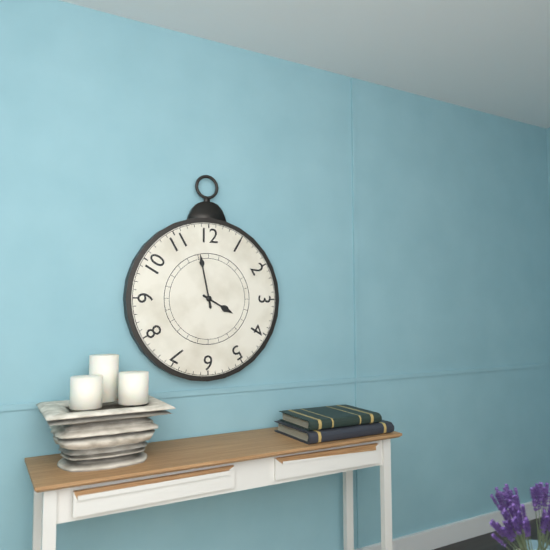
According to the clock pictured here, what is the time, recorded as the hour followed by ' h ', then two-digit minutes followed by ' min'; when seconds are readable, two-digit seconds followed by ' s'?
3 h 58 min
